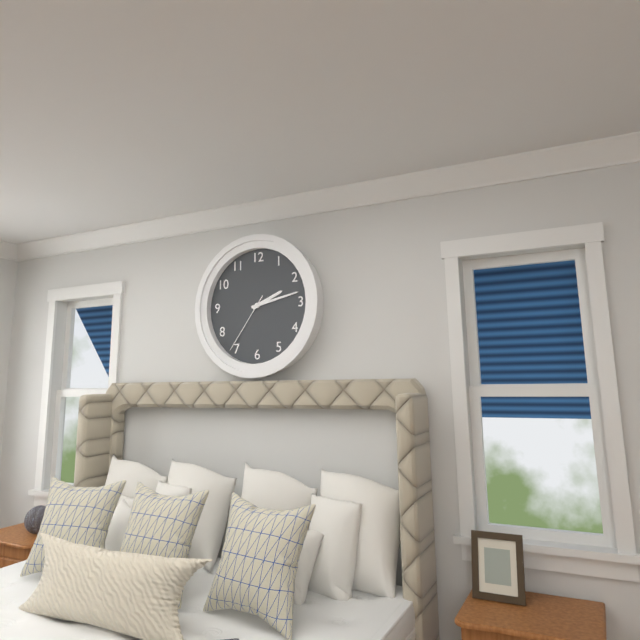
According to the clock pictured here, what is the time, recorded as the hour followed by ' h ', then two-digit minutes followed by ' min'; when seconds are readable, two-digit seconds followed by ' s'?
2 h 13 min 36 s
